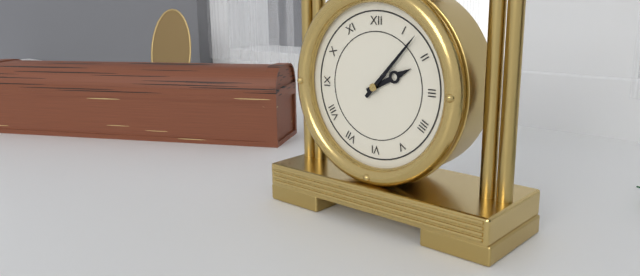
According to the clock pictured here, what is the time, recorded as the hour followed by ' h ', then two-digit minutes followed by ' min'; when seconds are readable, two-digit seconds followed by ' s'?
2 h 07 min
